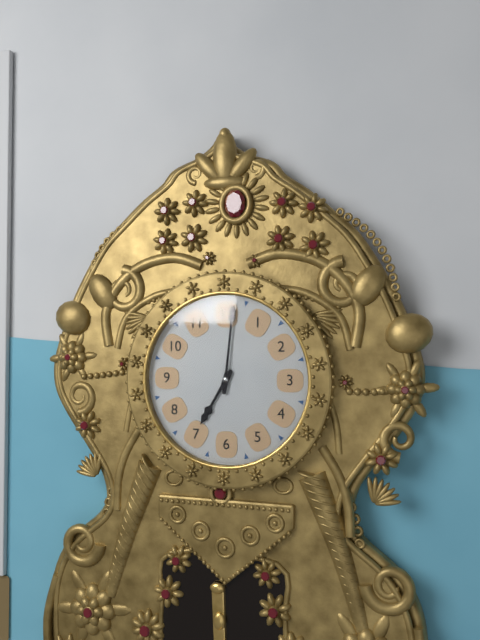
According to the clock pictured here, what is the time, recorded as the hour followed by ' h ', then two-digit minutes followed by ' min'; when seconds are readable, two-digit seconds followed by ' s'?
7 h 01 min
